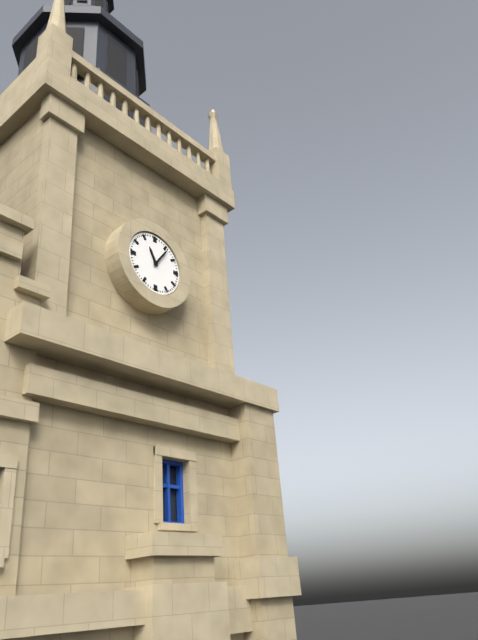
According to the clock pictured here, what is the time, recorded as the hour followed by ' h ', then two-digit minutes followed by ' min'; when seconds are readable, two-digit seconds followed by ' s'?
11 h 06 min
